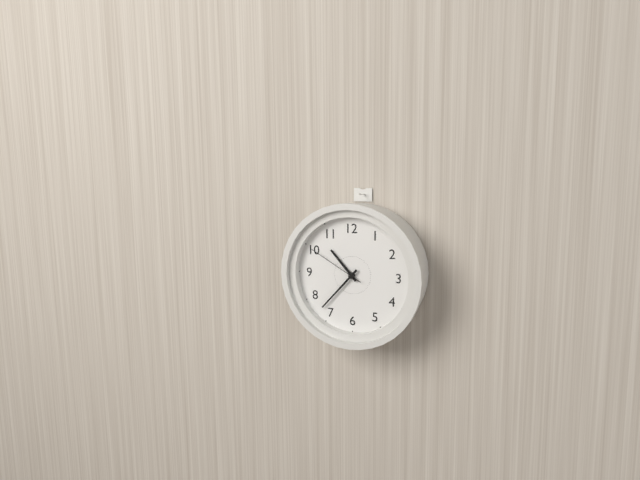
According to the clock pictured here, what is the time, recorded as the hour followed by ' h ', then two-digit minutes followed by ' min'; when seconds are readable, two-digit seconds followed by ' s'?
10 h 37 min 50 s
